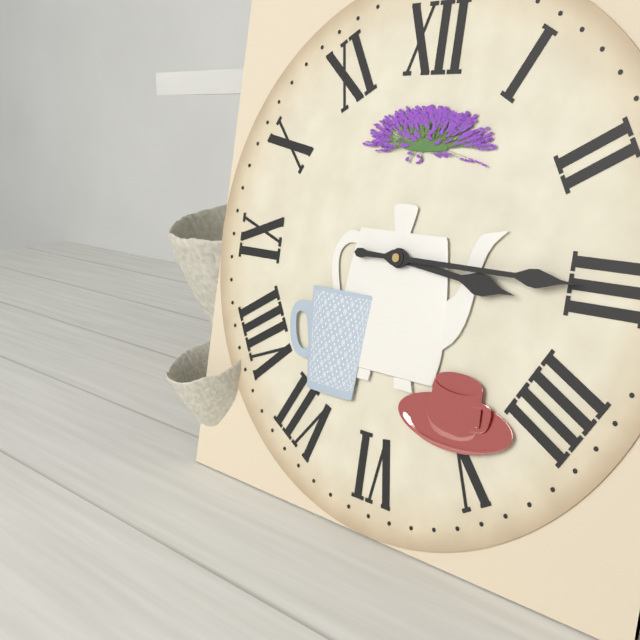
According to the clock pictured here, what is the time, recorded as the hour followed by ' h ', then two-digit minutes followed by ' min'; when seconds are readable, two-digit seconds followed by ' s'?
3 h 15 min
